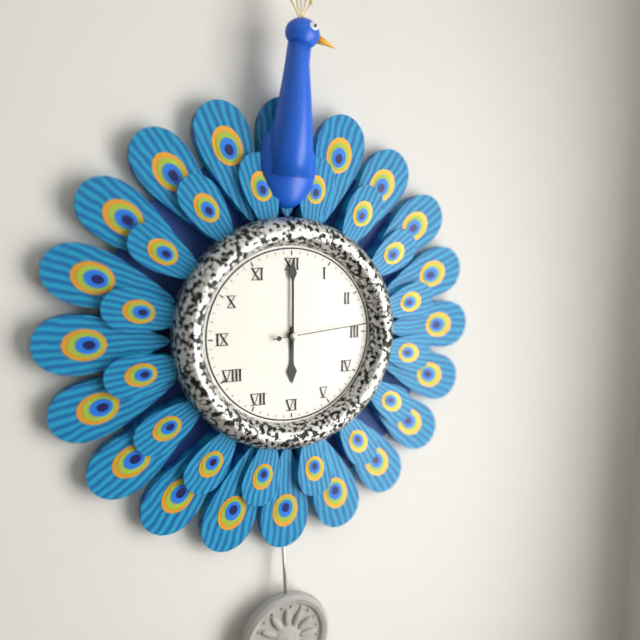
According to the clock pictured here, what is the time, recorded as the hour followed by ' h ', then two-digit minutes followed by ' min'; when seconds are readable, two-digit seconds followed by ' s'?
6 h 00 min 14 s
